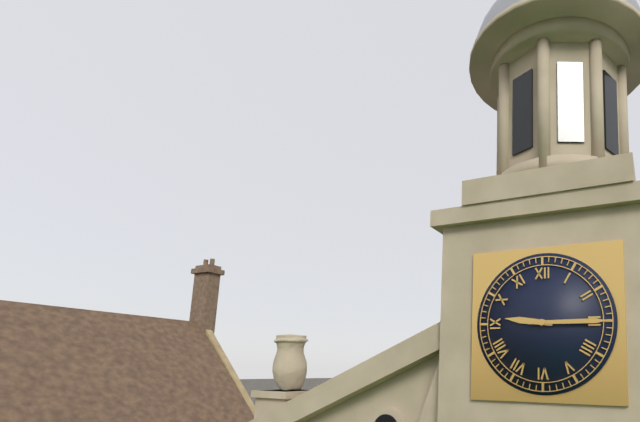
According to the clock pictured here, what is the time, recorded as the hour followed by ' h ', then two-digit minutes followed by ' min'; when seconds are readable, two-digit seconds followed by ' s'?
9 h 15 min
